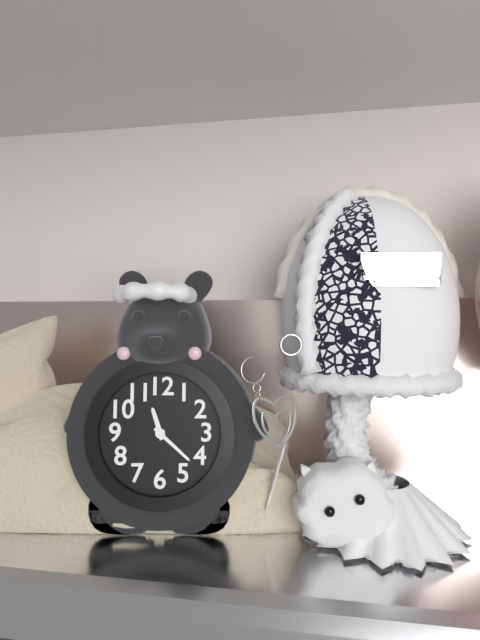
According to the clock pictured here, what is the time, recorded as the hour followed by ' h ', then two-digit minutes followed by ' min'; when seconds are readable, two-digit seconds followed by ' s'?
11 h 22 min
